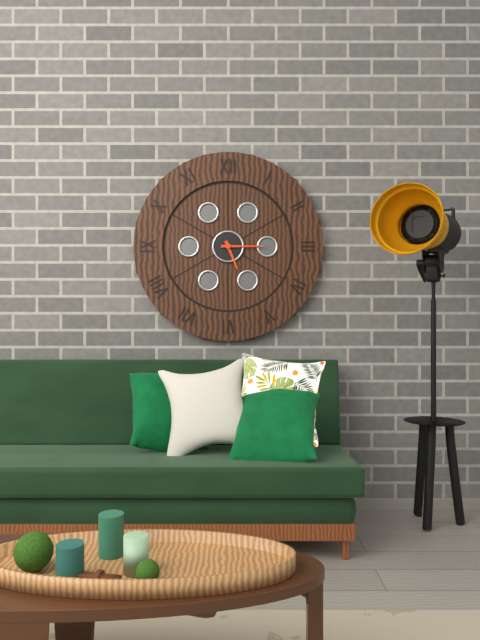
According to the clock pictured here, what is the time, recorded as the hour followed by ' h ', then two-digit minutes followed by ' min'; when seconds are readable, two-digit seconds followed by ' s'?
5 h 15 min
